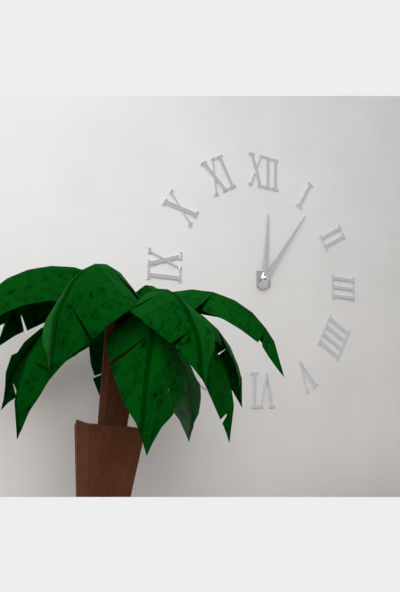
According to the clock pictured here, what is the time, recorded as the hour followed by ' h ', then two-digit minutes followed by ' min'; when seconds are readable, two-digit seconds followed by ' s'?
12 h 06 min
